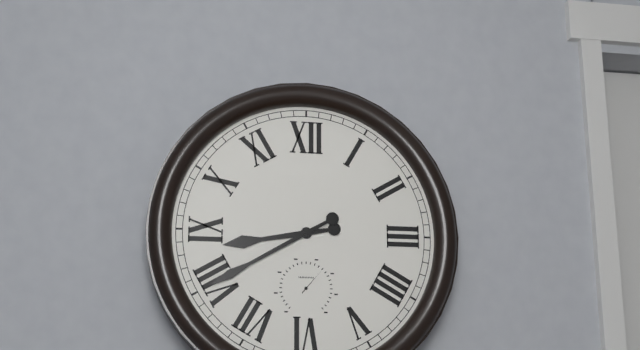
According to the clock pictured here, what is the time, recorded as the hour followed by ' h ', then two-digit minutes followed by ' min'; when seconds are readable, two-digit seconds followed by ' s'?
8 h 40 min
